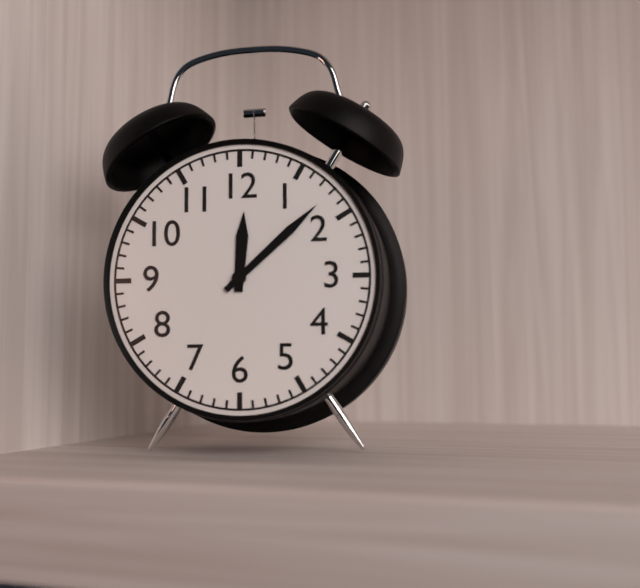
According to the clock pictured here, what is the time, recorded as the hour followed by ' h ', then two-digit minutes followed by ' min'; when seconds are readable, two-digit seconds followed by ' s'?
12 h 08 min
